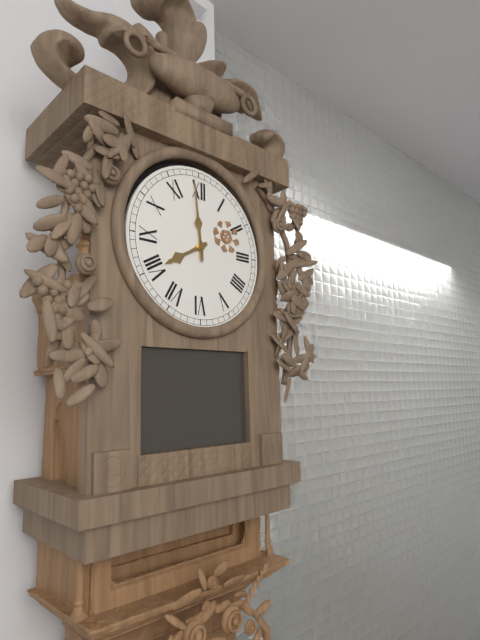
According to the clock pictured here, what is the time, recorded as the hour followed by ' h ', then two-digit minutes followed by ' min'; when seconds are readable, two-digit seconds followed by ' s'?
7 h 59 min
